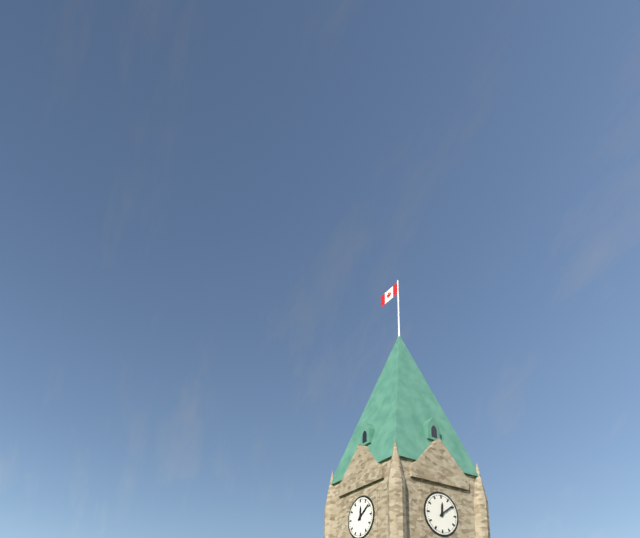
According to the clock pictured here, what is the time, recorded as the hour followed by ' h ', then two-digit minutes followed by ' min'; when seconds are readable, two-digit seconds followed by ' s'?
12 h 09 min
